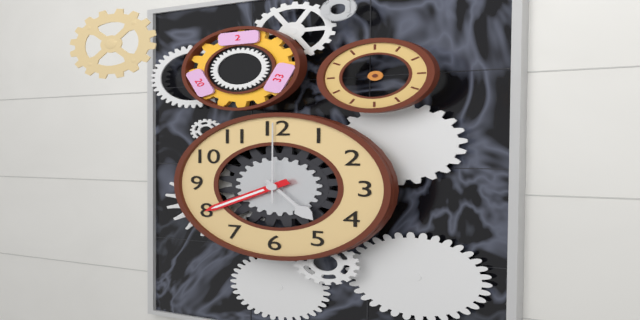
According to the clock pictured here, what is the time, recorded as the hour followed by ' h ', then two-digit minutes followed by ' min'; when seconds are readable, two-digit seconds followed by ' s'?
4 h 40 min 00 s
